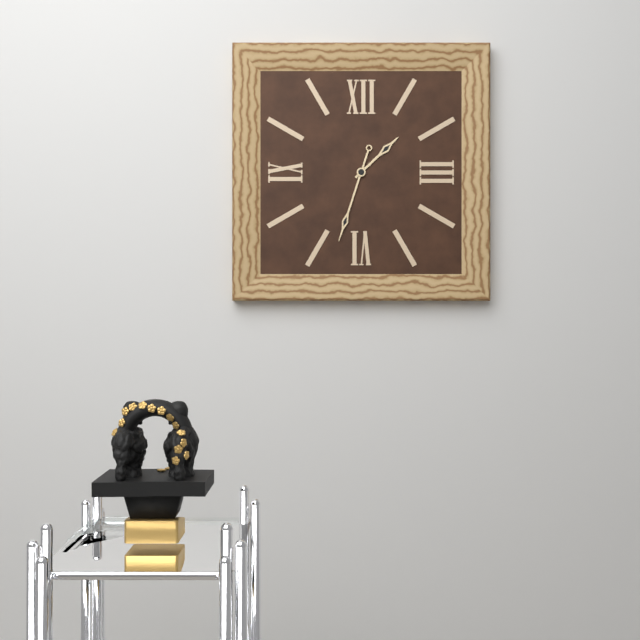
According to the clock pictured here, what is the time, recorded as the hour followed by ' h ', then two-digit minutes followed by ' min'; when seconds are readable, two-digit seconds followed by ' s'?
1 h 33 min
